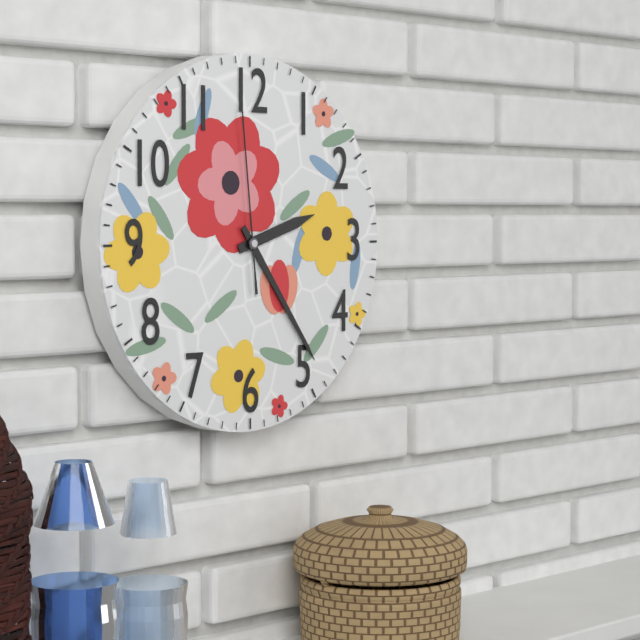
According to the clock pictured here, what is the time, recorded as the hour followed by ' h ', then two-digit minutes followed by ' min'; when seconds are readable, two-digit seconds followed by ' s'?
2 h 24 min 59 s
